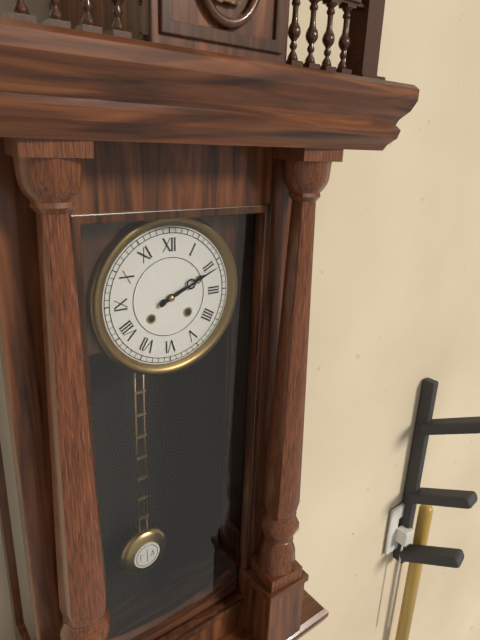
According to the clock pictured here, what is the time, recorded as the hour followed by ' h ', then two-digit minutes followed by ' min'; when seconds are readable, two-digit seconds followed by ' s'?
2 h 11 min
